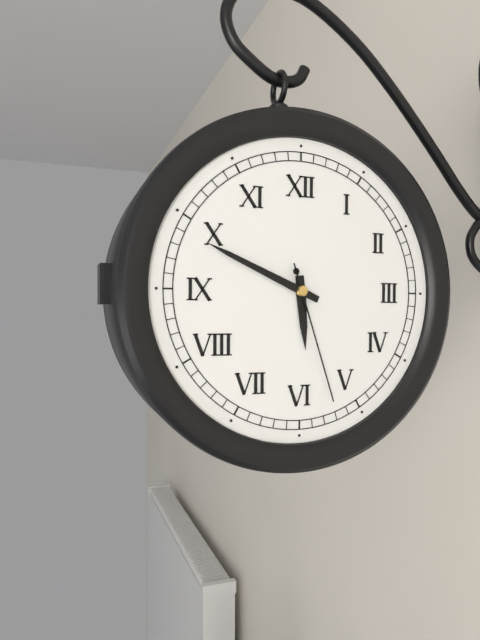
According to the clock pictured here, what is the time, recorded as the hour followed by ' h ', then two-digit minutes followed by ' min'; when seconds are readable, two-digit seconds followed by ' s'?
5 h 49 min 27 s
